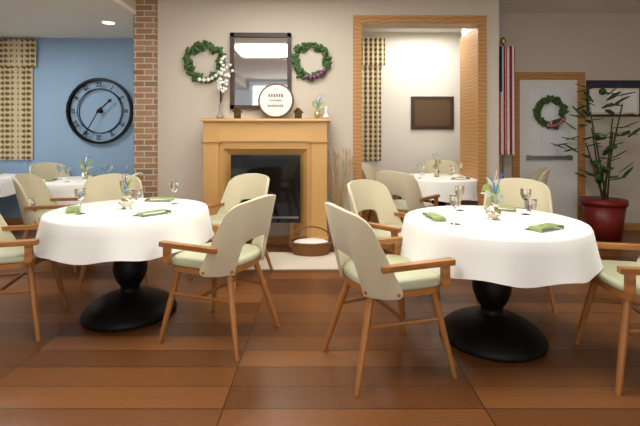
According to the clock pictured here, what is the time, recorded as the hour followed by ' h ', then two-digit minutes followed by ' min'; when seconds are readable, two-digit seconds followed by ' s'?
1 h 35 min
